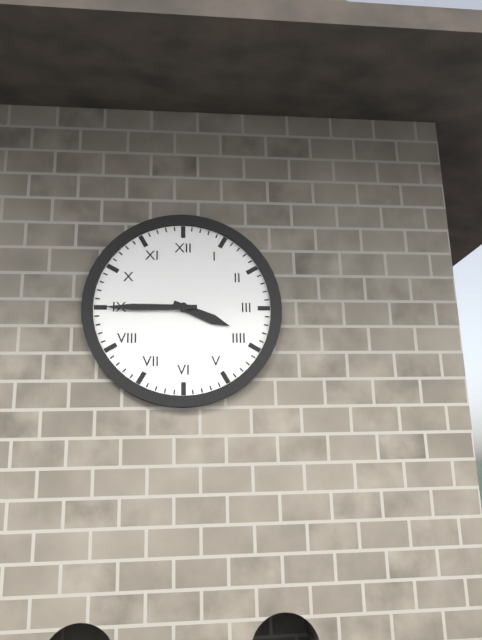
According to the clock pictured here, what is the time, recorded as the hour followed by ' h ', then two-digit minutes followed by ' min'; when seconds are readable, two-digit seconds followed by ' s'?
3 h 45 min
